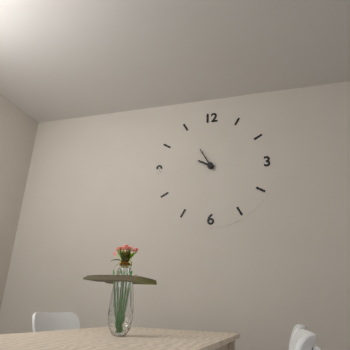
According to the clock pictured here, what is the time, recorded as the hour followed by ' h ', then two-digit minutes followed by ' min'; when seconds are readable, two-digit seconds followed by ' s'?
9 h 55 min
